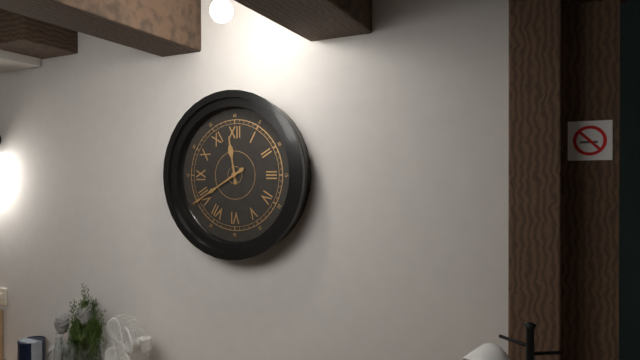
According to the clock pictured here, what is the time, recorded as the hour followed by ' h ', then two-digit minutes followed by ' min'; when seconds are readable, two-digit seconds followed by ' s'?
11 h 40 min
